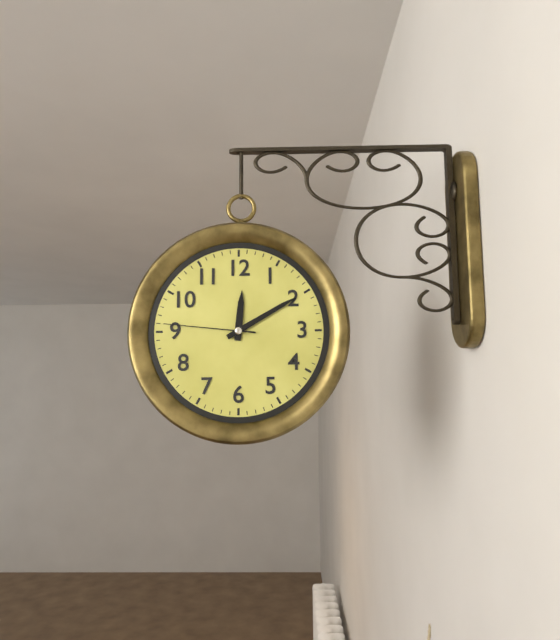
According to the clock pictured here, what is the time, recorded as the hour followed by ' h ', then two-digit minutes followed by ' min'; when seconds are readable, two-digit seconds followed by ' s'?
12 h 10 min 46 s
